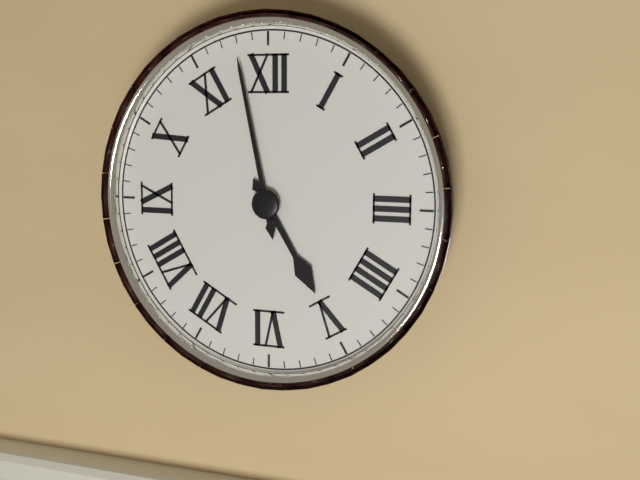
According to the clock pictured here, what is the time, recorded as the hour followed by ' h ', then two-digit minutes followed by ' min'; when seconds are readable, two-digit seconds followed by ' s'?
4 h 58 min
